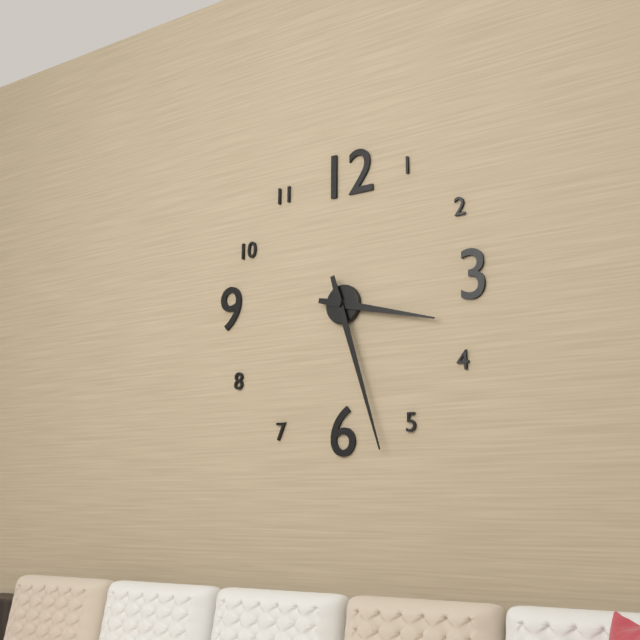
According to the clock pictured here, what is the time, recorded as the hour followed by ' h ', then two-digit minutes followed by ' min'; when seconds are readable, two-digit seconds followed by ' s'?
3 h 27 min
